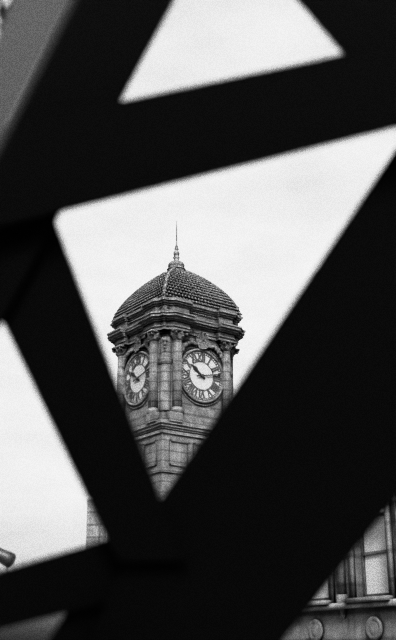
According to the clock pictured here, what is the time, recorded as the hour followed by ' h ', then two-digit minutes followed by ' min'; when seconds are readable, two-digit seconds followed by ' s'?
10 h 13 min
